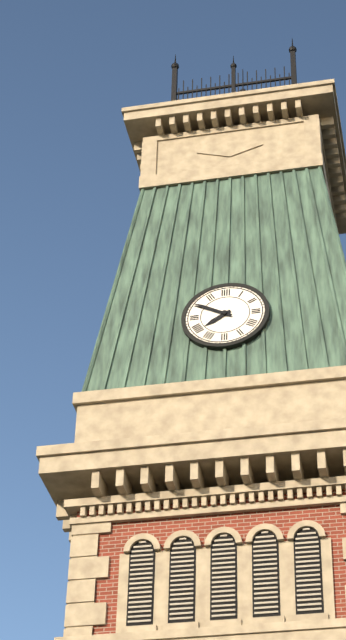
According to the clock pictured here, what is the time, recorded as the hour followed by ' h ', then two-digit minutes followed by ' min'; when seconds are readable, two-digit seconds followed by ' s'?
7 h 50 min
